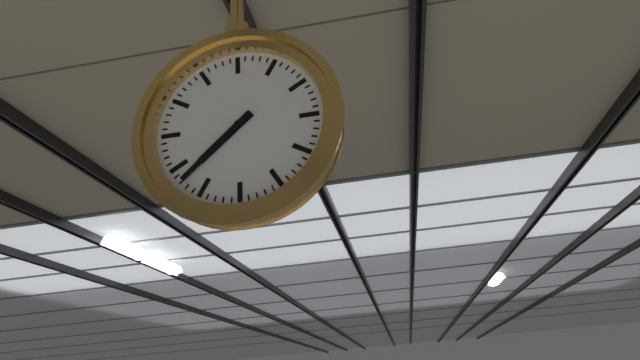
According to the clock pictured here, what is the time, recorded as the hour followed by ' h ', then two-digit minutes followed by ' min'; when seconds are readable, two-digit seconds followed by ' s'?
7 h 38 min
